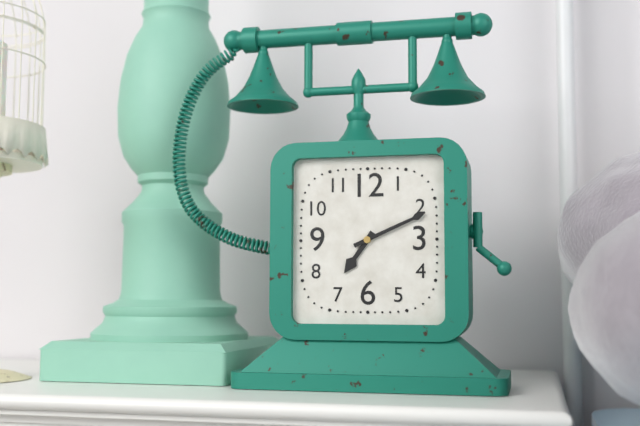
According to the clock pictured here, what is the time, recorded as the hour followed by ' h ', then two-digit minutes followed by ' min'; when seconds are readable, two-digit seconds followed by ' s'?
7 h 11 min
